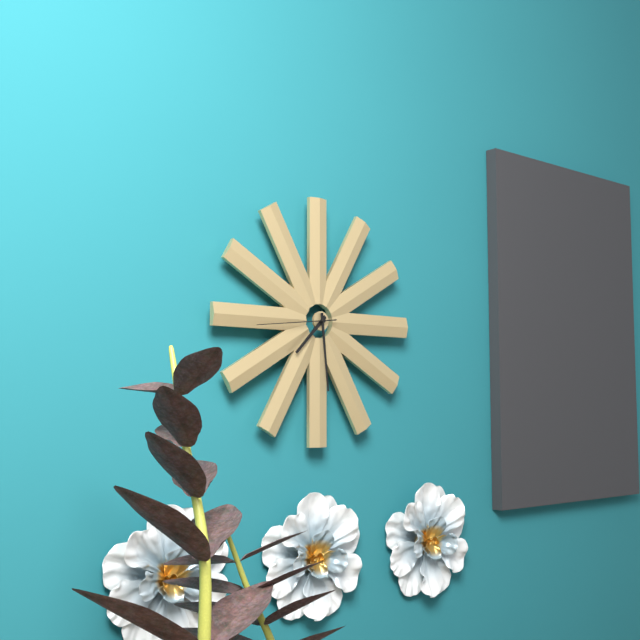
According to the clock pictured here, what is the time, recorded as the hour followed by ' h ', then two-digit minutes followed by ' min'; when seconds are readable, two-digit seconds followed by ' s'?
7 h 29 min 44 s
